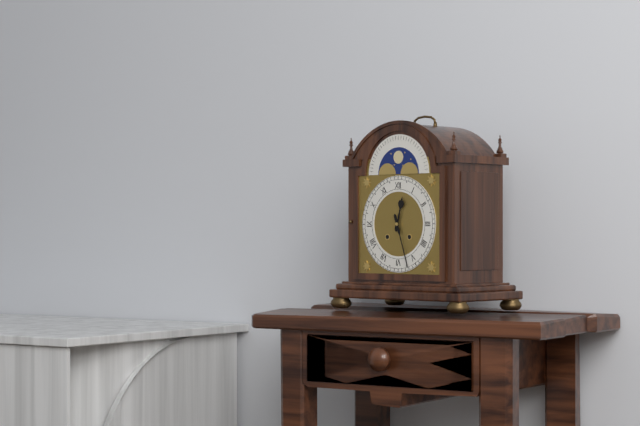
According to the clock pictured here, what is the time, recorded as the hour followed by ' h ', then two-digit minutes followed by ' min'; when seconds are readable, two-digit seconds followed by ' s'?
12 h 27 min
